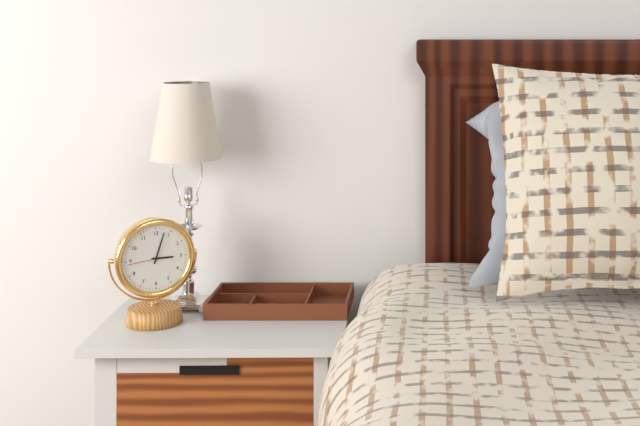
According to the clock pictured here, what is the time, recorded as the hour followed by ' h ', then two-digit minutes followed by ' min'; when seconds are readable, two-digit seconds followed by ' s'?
3 h 03 min
